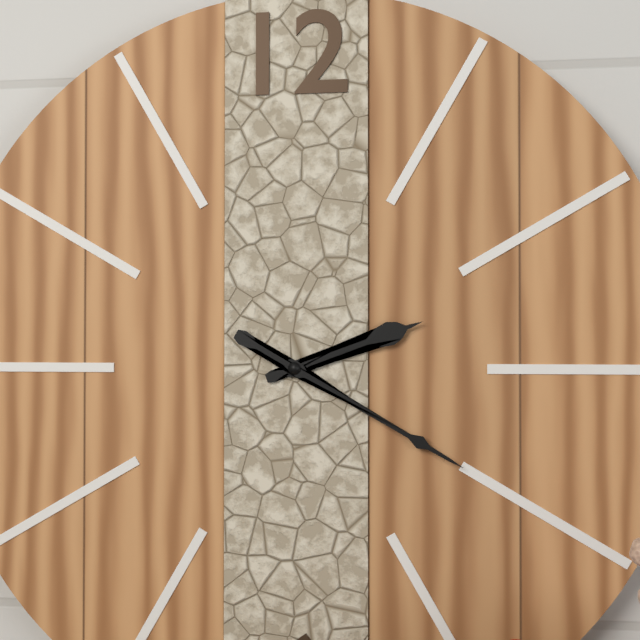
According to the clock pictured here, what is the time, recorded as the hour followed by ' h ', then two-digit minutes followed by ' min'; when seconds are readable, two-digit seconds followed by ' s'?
2 h 20 min
